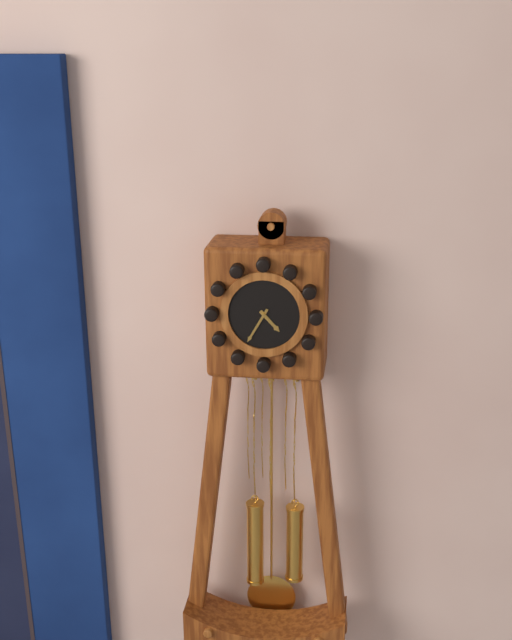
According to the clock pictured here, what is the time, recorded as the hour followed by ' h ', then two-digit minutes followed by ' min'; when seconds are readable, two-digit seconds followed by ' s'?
4 h 35 min
